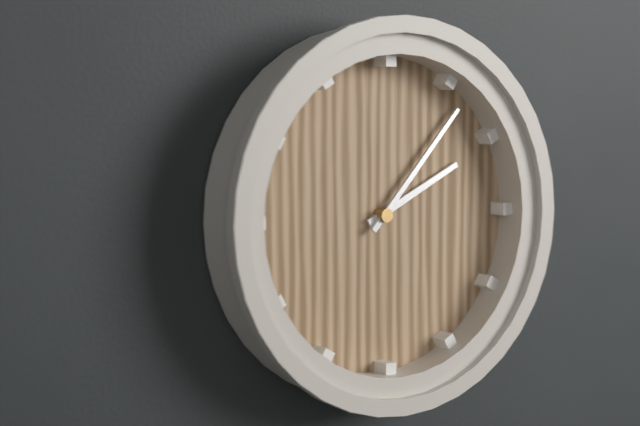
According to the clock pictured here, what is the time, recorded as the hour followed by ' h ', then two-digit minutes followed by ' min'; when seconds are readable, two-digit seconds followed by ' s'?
2 h 07 min
